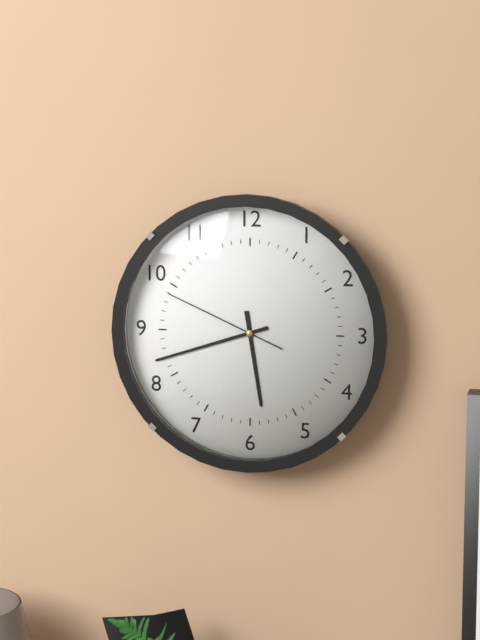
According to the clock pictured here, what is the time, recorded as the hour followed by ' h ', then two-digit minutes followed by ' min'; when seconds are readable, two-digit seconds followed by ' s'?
5 h 42 min 49 s
